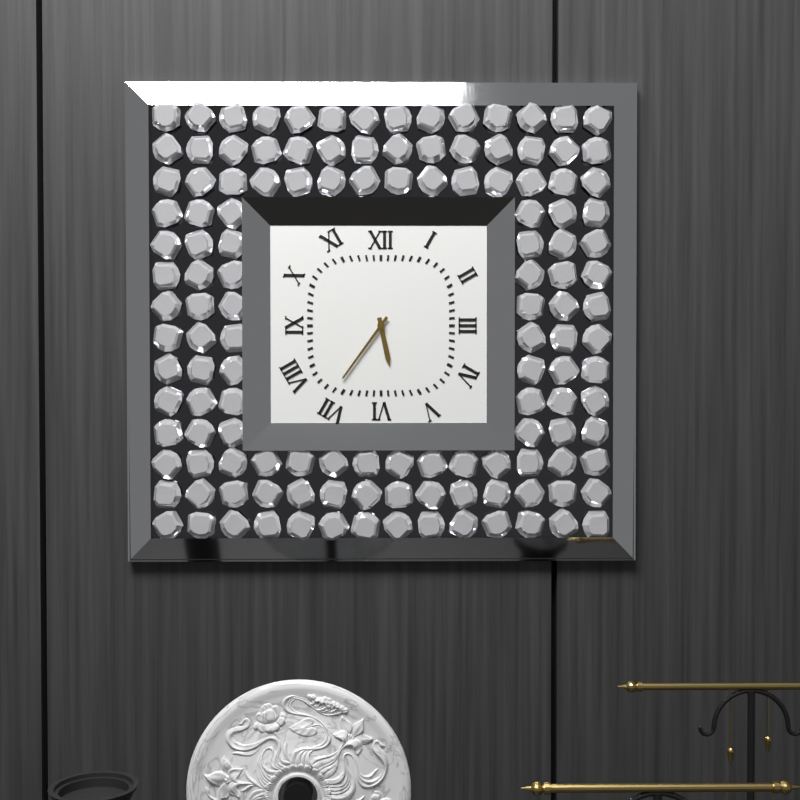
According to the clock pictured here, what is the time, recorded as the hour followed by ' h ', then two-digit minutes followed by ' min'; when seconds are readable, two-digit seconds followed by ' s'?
5 h 36 min
